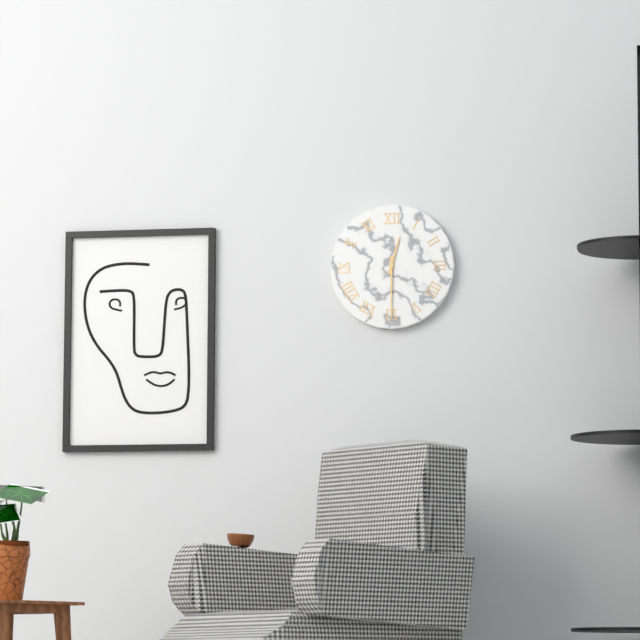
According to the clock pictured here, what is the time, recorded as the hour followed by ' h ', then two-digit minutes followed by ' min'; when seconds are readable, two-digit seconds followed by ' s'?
12 h 30 min
